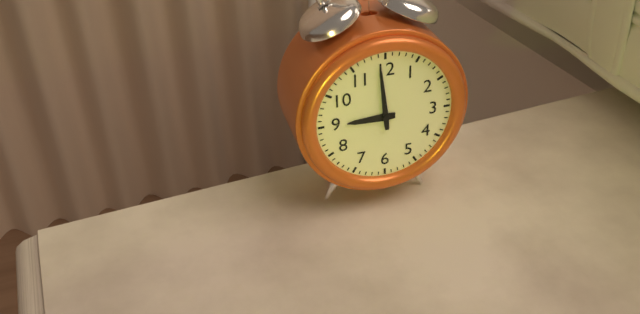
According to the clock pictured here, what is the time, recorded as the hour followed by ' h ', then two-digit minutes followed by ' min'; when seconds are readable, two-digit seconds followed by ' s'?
8 h 59 min
